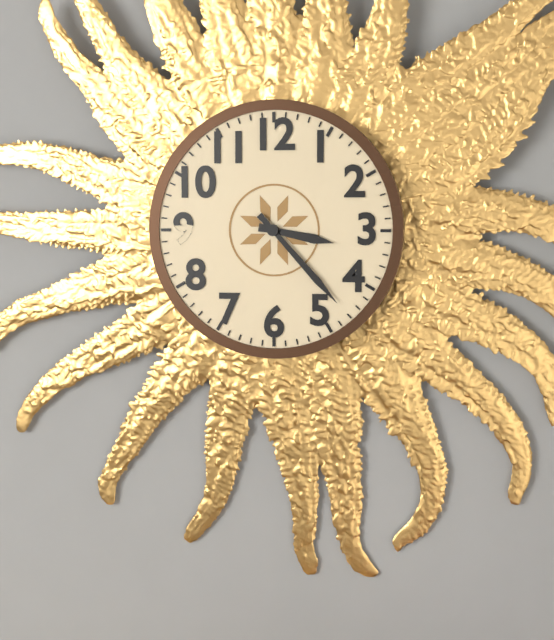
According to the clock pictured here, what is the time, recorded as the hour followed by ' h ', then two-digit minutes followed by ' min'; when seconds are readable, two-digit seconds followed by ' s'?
3 h 23 min
